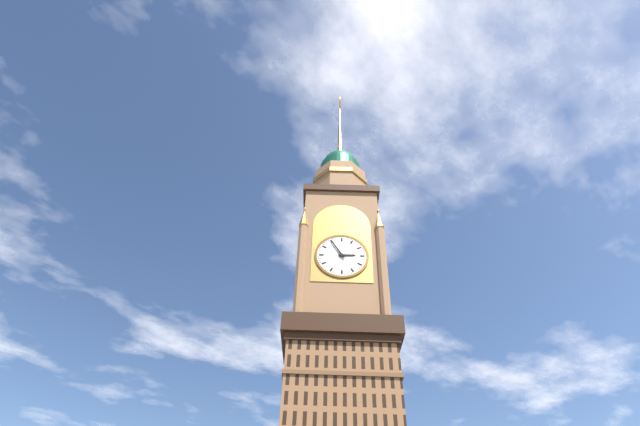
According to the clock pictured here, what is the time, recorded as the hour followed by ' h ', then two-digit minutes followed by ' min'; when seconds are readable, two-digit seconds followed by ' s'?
2 h 55 min
